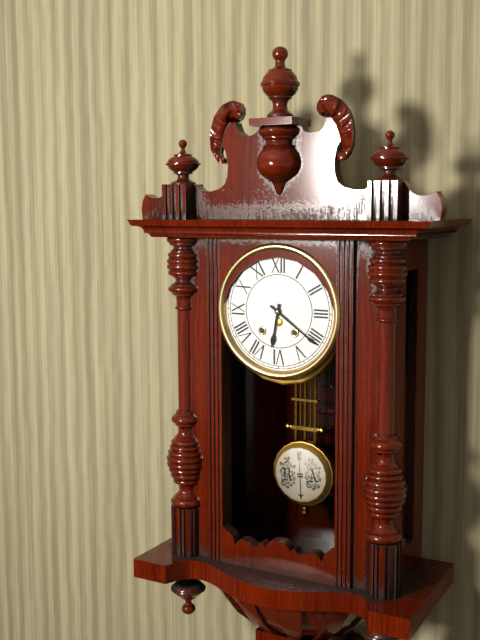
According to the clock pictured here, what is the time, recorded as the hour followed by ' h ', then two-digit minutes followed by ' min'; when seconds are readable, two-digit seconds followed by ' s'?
6 h 21 min
